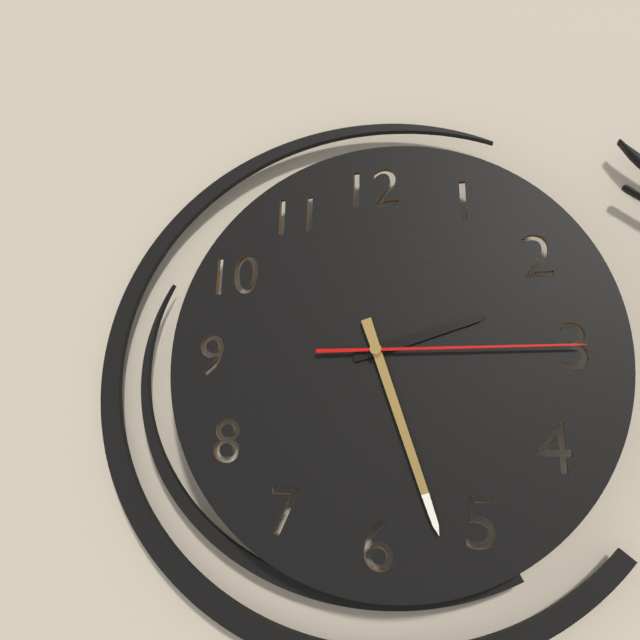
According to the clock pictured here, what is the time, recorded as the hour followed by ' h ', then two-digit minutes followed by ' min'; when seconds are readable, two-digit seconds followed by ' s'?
2 h 27 min 15 s
